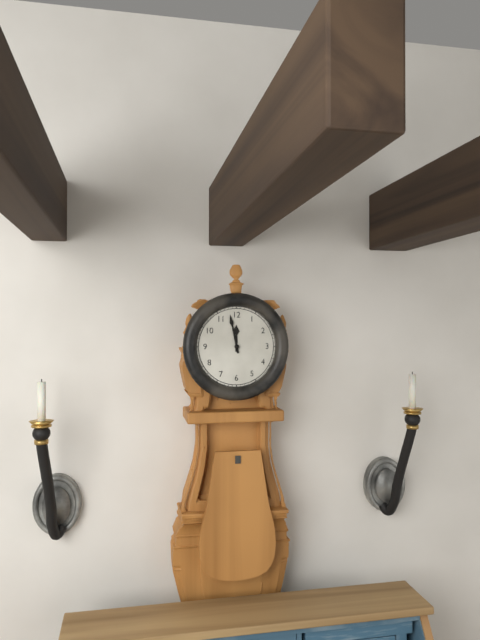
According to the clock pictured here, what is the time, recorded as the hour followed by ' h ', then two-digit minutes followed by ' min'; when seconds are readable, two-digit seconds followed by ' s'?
11 h 58 min
